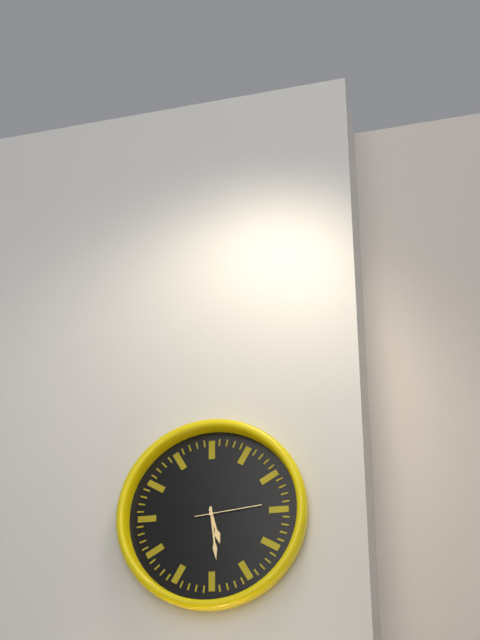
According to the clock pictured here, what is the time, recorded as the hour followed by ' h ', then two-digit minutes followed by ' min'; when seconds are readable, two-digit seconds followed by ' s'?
5 h 29 min 14 s
